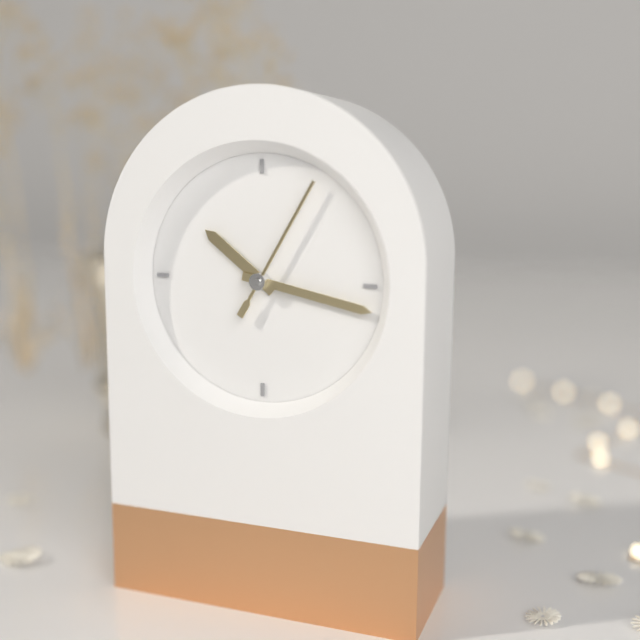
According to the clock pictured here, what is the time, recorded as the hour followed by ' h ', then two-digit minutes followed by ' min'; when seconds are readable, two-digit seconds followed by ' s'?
10 h 17 min 05 s
